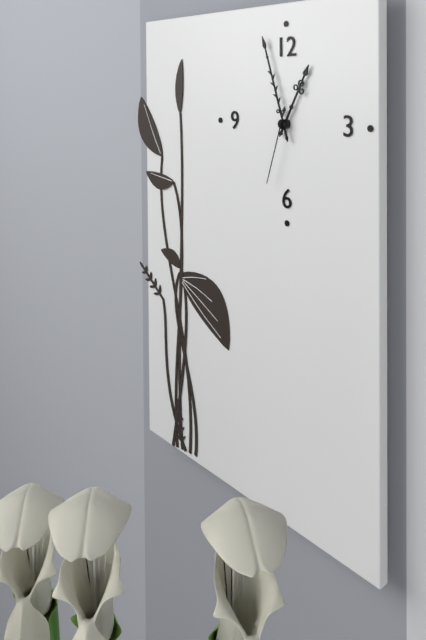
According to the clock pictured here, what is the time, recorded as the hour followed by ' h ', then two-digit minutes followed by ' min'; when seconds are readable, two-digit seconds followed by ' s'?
12 h 57 min 33 s
